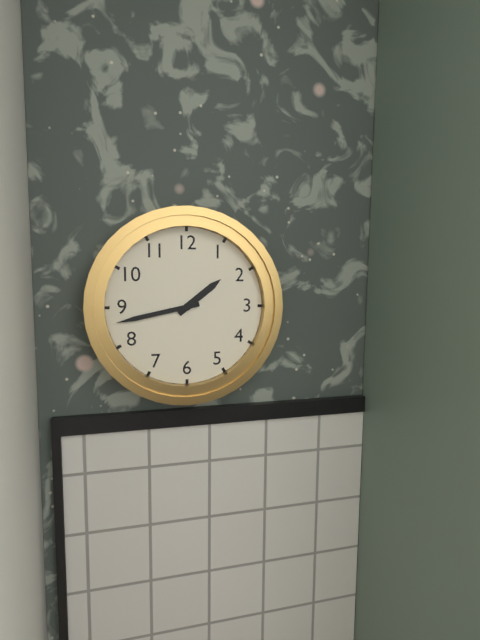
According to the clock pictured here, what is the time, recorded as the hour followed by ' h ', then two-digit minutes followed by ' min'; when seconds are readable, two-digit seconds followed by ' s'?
1 h 43 min
